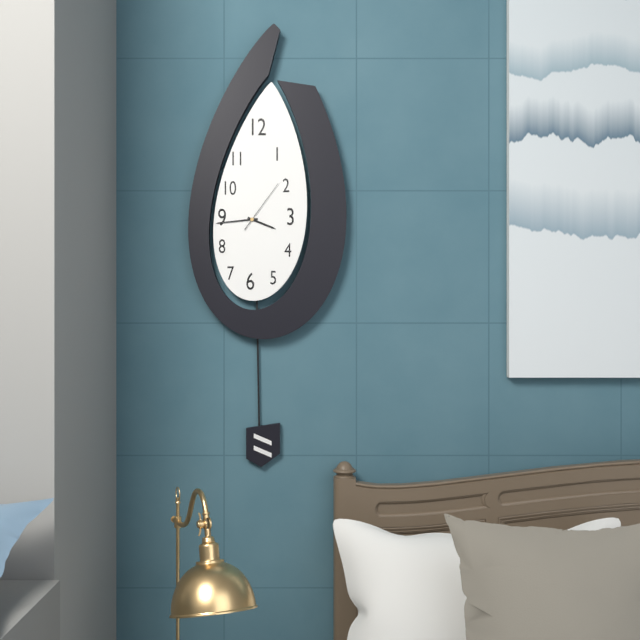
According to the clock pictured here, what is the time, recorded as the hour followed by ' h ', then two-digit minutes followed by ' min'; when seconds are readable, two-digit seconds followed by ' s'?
3 h 44 min 06 s
